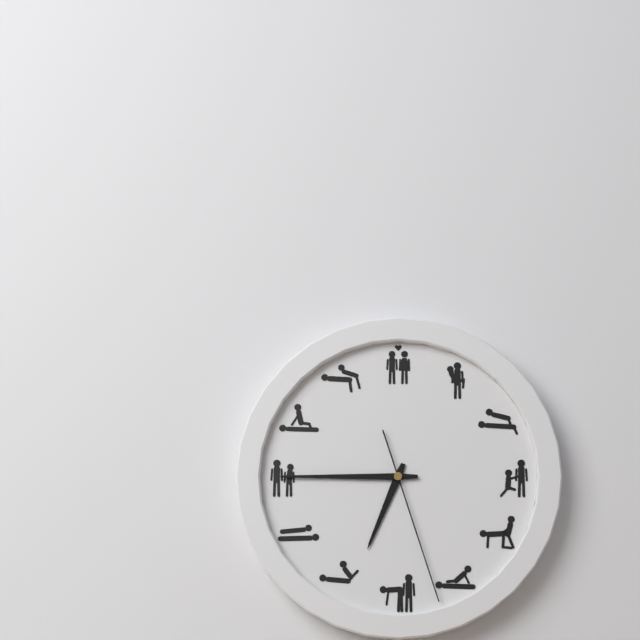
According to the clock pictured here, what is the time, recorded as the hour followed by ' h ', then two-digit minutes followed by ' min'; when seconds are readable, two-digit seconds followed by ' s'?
6 h 45 min 27 s
